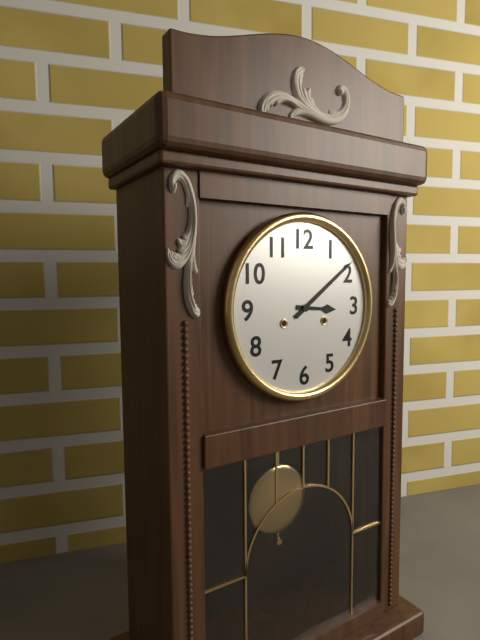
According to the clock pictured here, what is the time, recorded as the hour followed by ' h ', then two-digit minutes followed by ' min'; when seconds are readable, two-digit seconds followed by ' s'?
3 h 09 min
